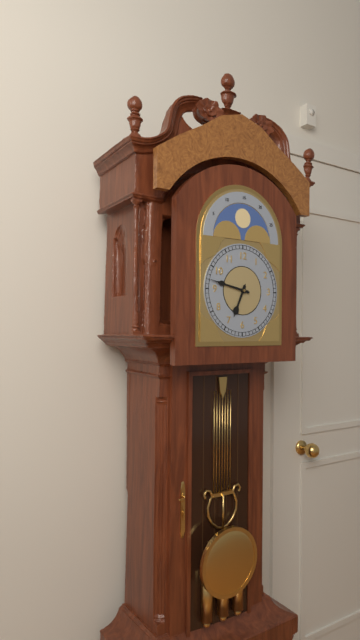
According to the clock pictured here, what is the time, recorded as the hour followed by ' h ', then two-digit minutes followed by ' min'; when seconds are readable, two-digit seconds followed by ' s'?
6 h 47 min
